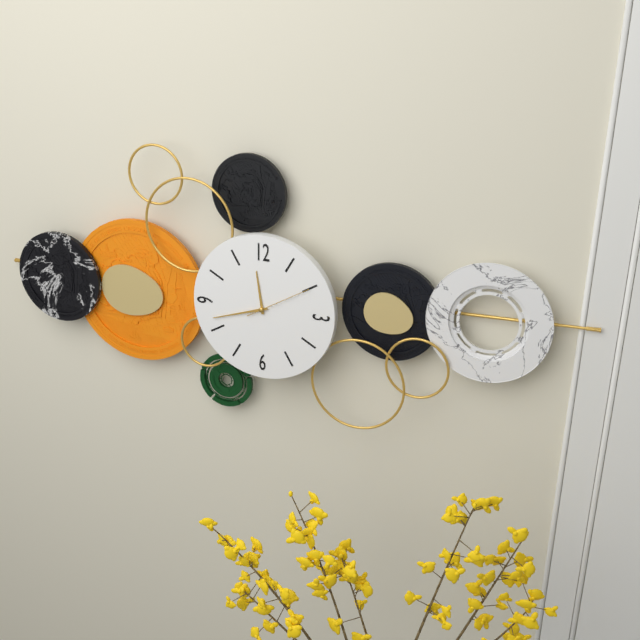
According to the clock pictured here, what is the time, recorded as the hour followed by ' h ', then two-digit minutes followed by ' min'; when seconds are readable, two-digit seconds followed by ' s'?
11 h 42 min 10 s
